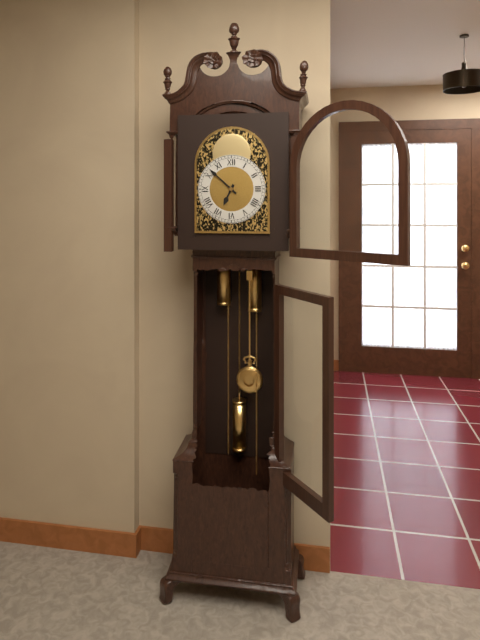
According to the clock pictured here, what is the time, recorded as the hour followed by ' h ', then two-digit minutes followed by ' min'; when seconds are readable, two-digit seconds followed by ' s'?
6 h 52 min
